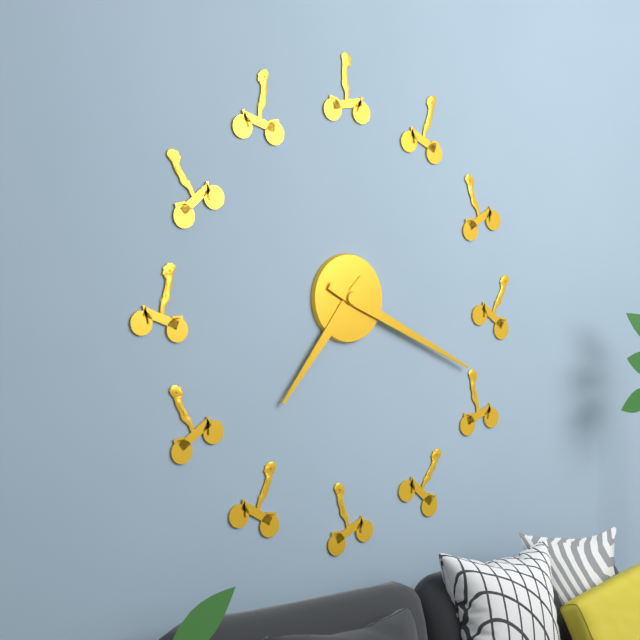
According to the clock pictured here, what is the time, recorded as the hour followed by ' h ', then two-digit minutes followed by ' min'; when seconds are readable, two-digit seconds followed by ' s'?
7 h 19 min
